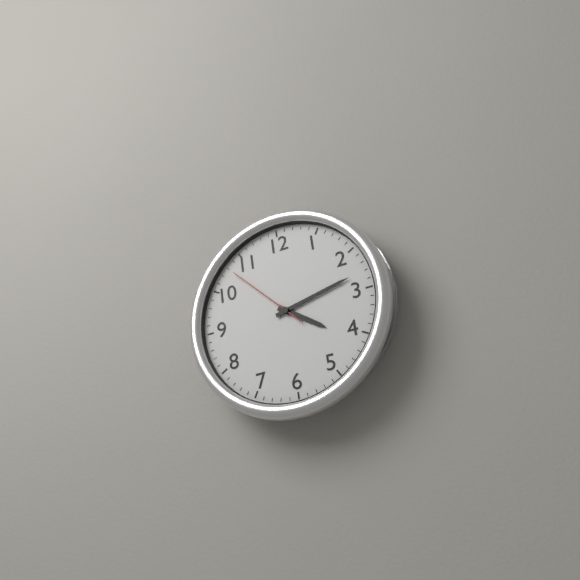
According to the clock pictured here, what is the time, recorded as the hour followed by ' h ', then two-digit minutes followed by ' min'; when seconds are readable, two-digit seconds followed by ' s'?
4 h 13 min 53 s
